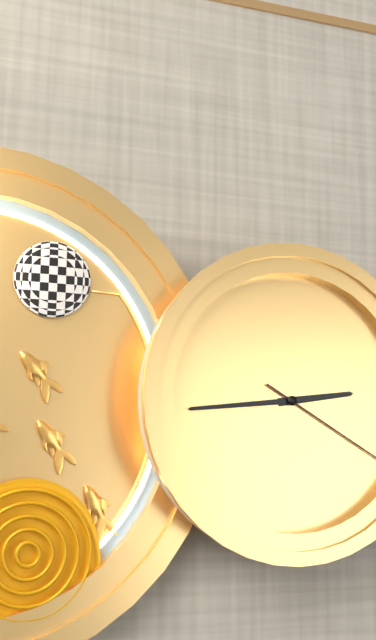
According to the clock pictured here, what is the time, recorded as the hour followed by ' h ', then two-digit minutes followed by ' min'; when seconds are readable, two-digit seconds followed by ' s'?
2 h 44 min
